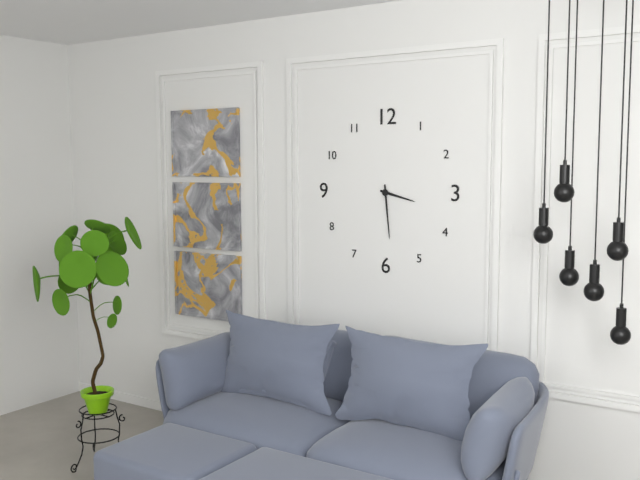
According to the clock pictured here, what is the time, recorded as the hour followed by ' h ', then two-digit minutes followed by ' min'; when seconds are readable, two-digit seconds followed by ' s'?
3 h 29 min
